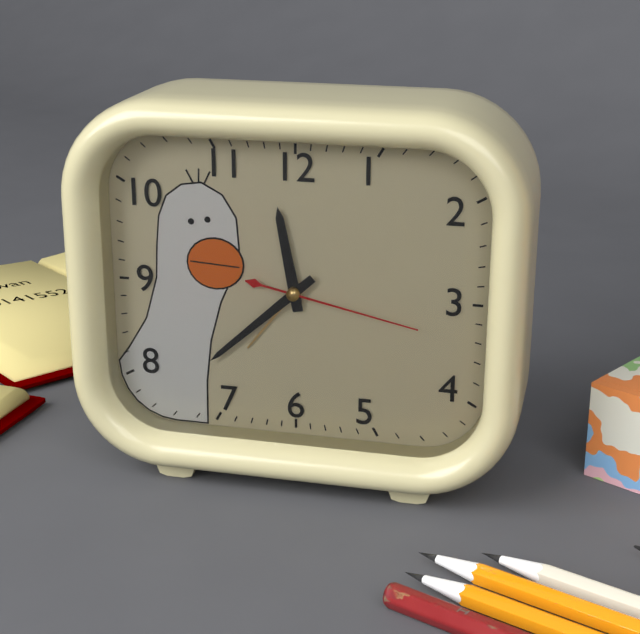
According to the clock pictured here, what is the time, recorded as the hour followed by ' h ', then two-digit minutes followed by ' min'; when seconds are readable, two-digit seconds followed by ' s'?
11 h 38 min 17 s
